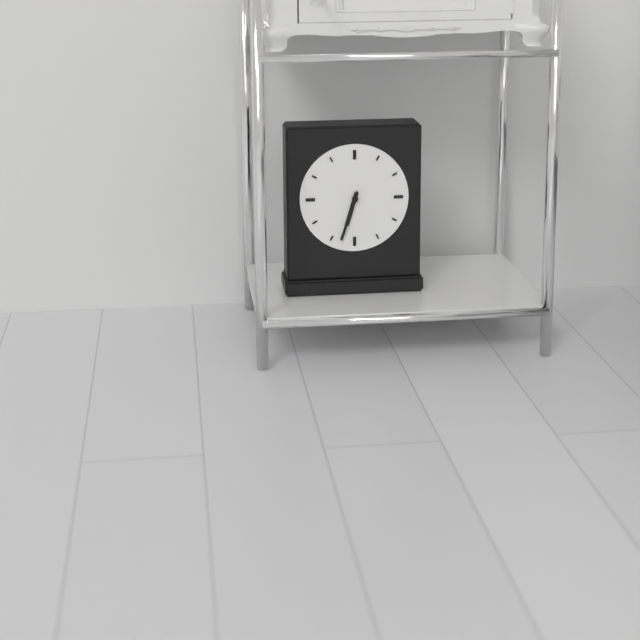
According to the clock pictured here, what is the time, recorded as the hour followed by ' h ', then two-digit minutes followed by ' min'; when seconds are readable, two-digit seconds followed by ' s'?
6 h 33 min
